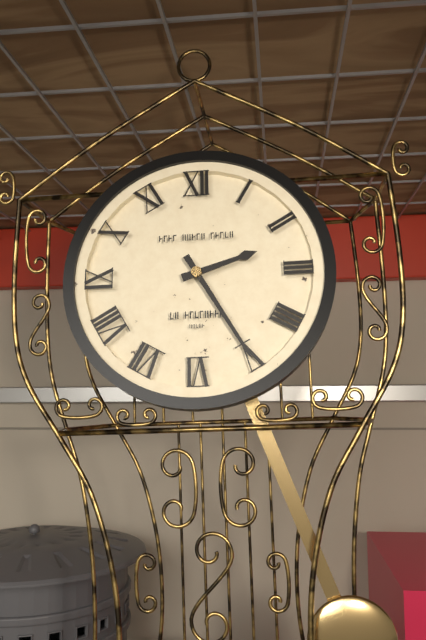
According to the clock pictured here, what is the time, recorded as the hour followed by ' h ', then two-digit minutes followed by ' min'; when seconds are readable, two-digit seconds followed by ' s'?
2 h 25 min
